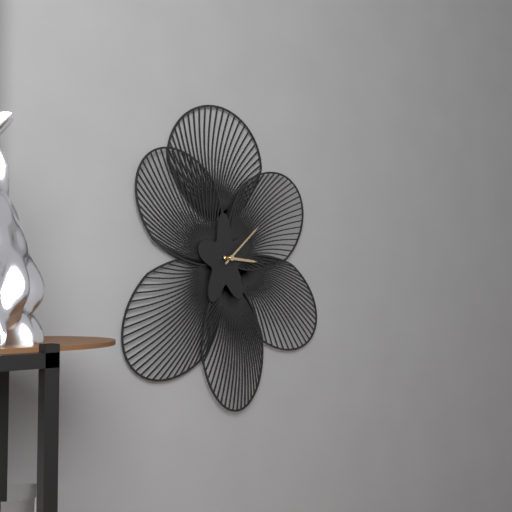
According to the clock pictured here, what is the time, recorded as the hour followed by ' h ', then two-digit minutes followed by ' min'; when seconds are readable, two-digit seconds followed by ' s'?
3 h 08 min
